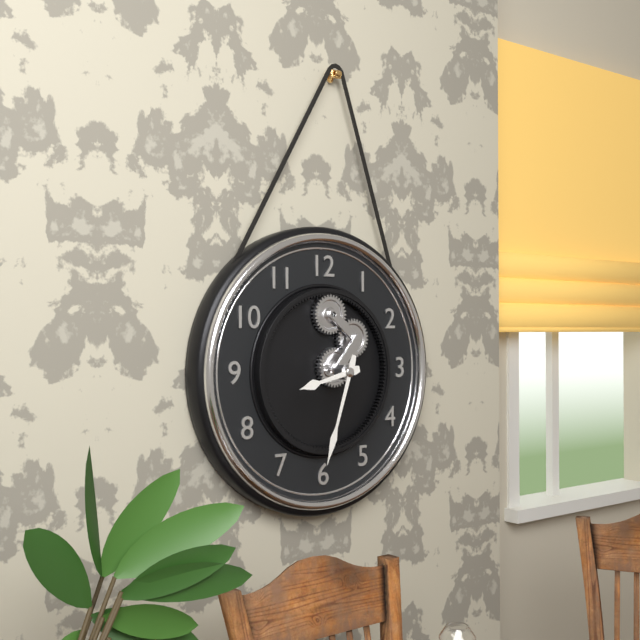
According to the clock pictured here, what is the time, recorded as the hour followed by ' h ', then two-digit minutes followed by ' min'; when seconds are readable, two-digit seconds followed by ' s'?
8 h 33 min
